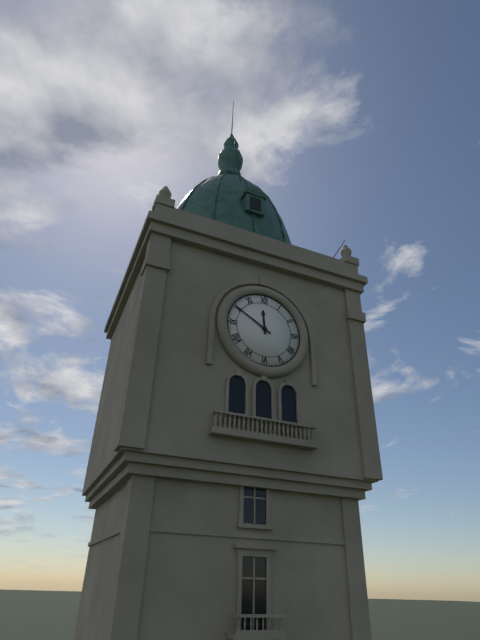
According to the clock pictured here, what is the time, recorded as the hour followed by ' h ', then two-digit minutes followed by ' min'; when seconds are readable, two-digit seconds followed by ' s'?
11 h 50 min
